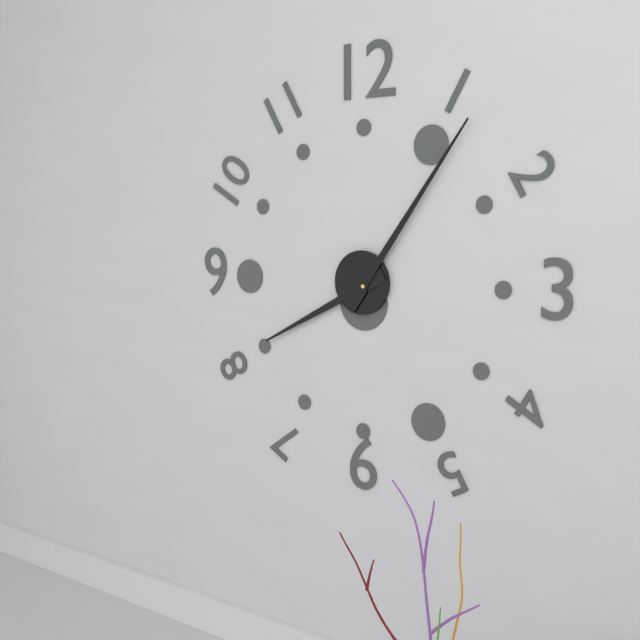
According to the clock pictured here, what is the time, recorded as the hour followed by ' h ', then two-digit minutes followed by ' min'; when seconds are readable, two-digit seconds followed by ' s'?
8 h 06 min
